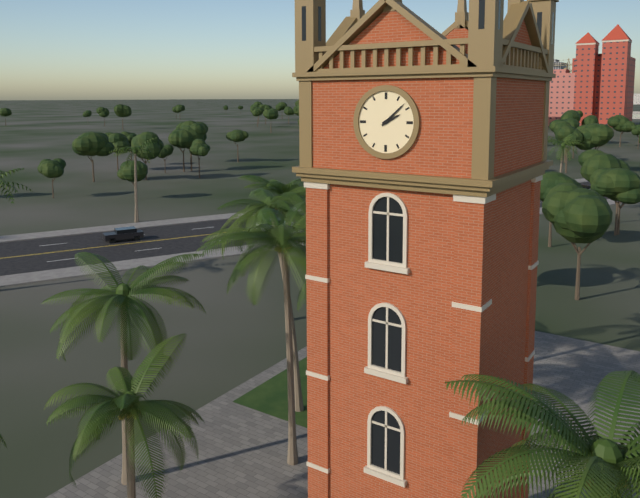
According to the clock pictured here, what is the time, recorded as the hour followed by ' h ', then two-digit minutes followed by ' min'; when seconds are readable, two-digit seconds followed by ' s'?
2 h 08 min
